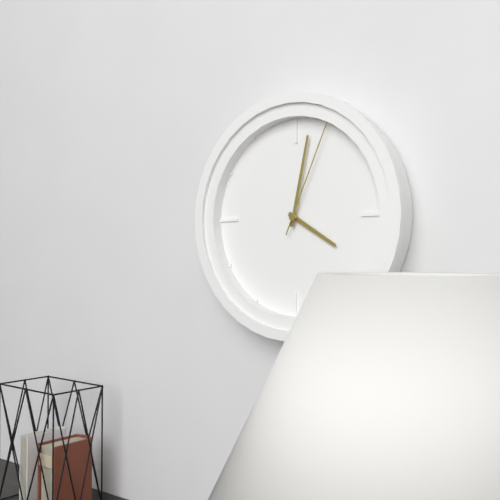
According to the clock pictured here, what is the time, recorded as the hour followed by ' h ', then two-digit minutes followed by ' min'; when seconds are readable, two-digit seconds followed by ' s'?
4 h 02 min 04 s
